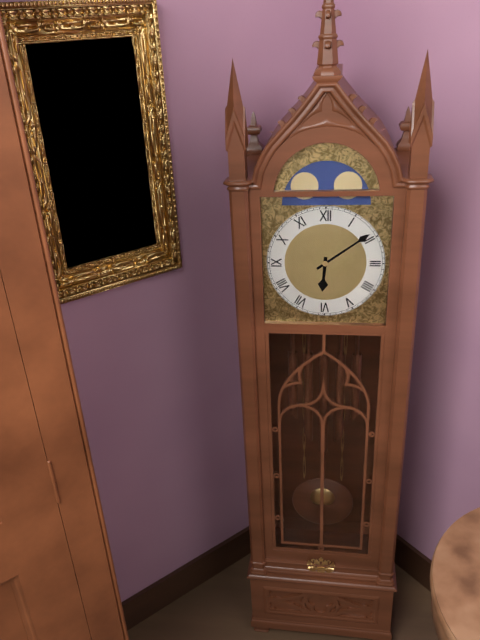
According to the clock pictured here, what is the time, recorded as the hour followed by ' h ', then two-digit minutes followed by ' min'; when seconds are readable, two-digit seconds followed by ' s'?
6 h 09 min
